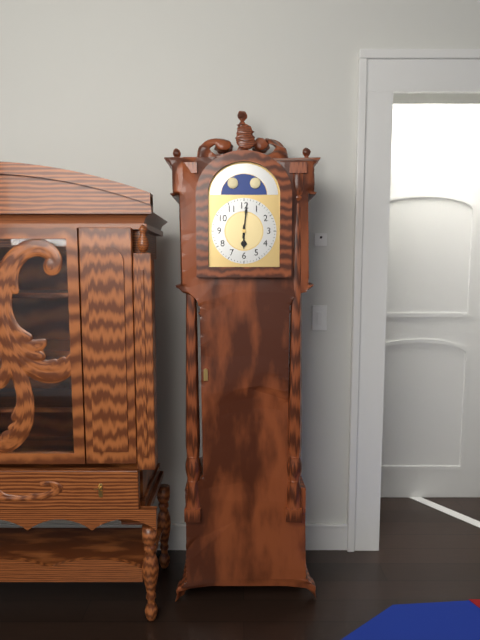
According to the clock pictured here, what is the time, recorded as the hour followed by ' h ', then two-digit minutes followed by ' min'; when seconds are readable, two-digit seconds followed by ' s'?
6 h 01 min
